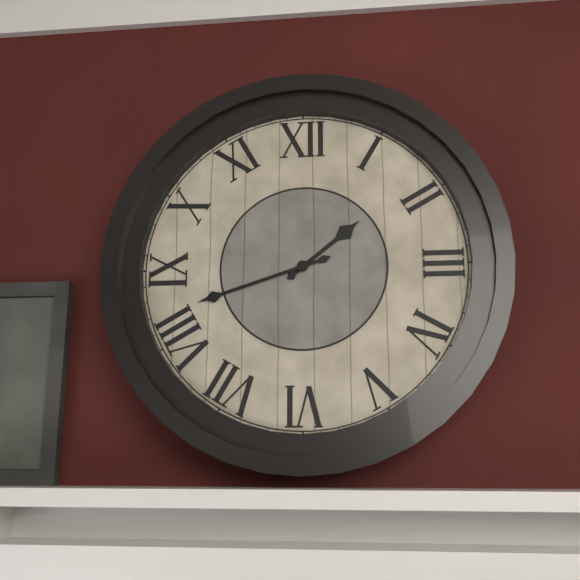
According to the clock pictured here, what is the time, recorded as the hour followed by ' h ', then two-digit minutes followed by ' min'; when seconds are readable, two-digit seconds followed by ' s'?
1 h 42 min
